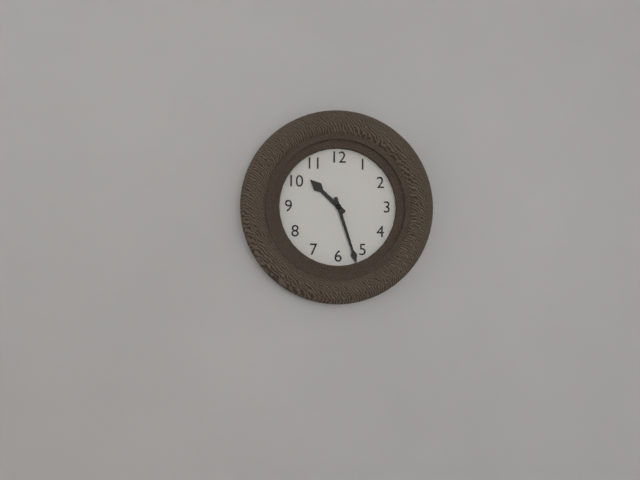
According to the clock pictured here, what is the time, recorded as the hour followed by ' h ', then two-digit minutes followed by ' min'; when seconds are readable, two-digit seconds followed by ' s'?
10 h 27 min
